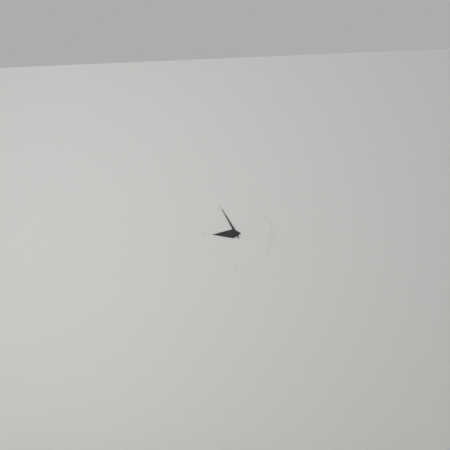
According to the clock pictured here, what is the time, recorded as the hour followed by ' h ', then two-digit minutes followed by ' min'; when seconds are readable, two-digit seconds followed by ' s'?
8 h 55 min
